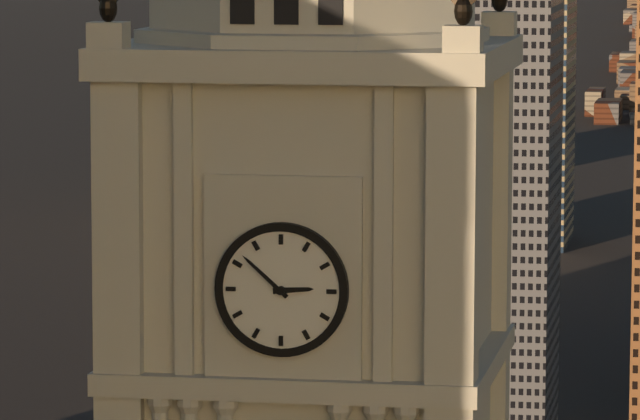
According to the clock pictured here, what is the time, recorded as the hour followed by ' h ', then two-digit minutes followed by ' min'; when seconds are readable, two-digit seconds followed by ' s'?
2 h 52 min
